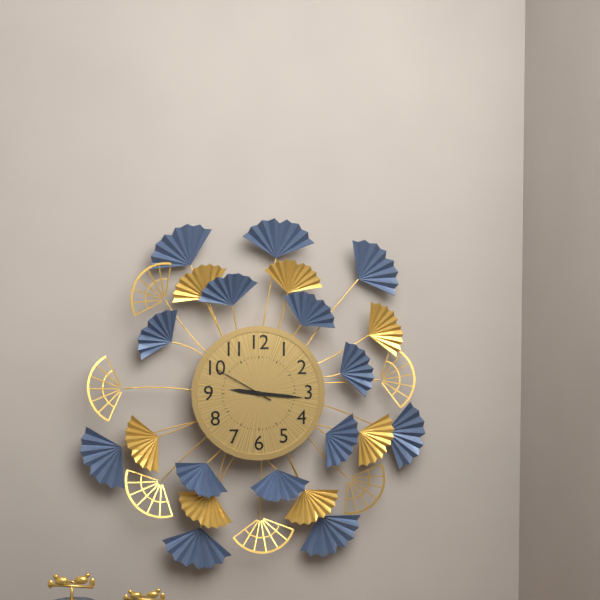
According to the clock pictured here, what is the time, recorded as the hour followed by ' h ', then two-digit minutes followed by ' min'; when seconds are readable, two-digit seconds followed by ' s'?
9 h 16 min 50 s
